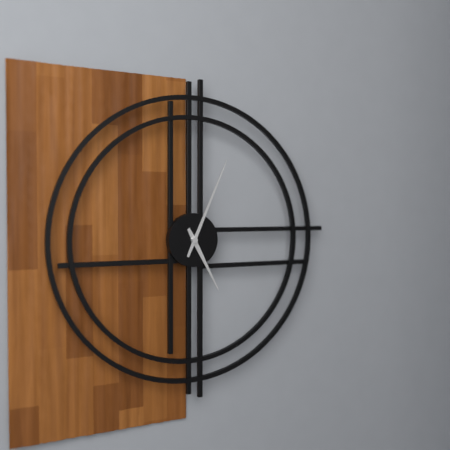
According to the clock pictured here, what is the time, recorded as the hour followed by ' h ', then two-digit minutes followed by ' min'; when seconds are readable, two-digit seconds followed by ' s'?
5 h 04 min
